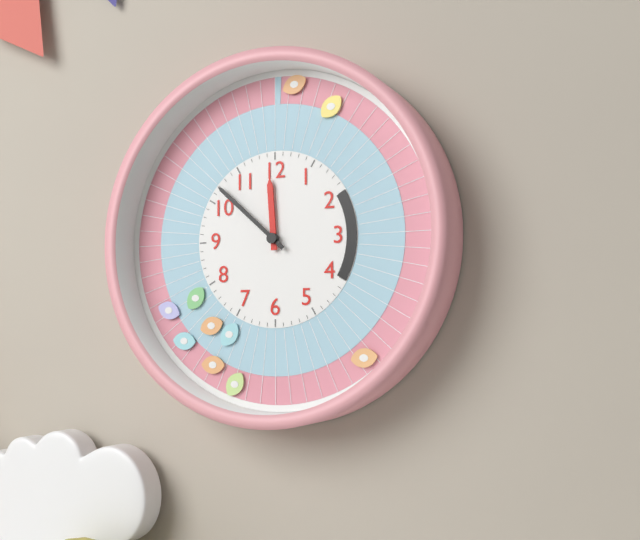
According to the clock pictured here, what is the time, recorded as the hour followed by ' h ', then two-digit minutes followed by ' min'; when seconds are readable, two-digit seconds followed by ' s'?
11 h 52 min
